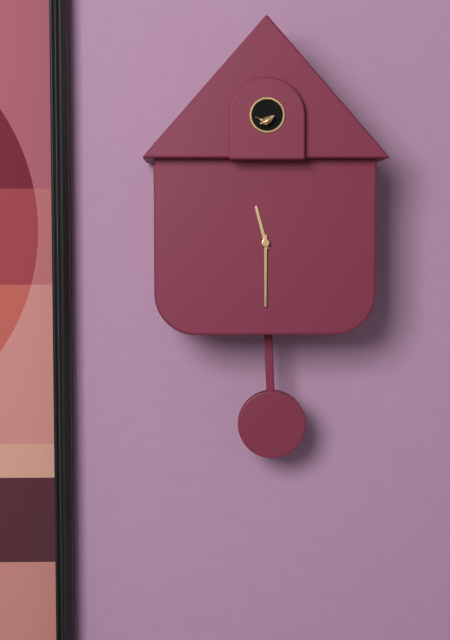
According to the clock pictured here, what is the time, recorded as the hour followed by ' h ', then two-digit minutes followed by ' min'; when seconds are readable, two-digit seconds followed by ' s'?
11 h 30 min
